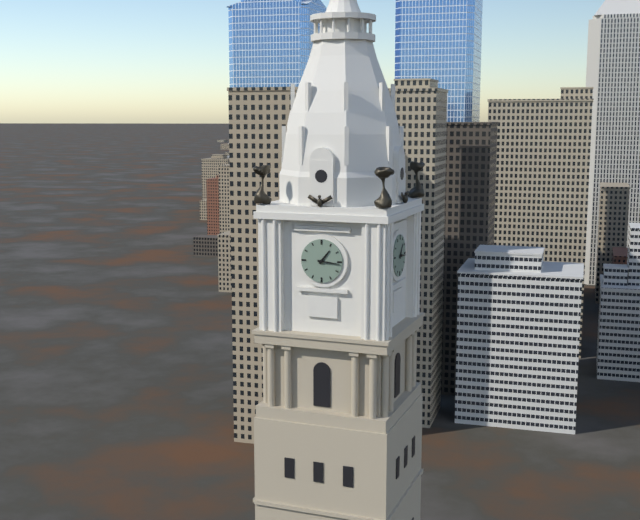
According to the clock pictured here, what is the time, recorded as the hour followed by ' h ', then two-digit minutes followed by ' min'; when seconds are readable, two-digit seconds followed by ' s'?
1 h 16 min
